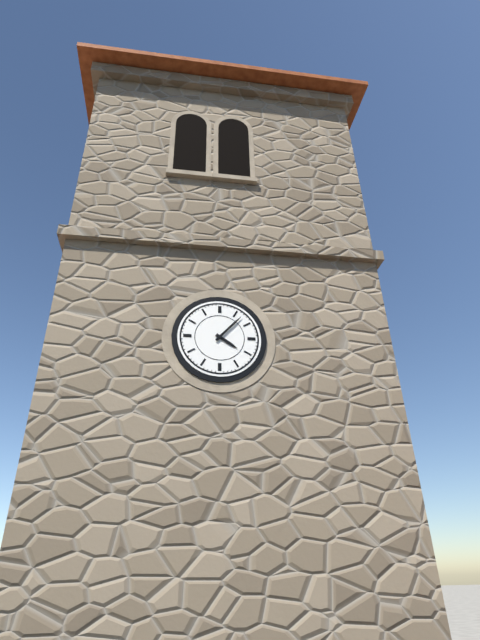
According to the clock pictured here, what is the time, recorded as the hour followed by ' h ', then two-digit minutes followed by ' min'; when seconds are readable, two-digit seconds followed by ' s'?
4 h 07 min
